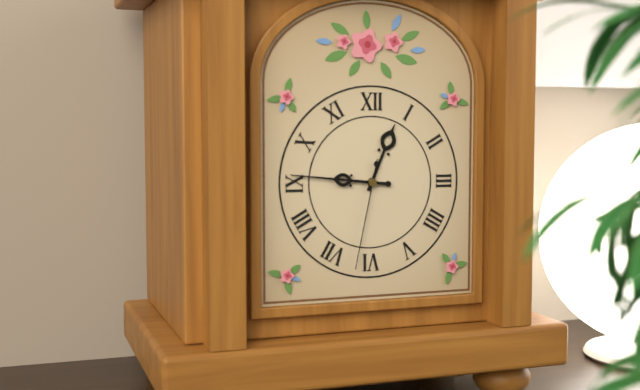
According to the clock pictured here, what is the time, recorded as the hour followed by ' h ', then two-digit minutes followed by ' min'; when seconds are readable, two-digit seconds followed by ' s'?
12 h 46 min 32 s
